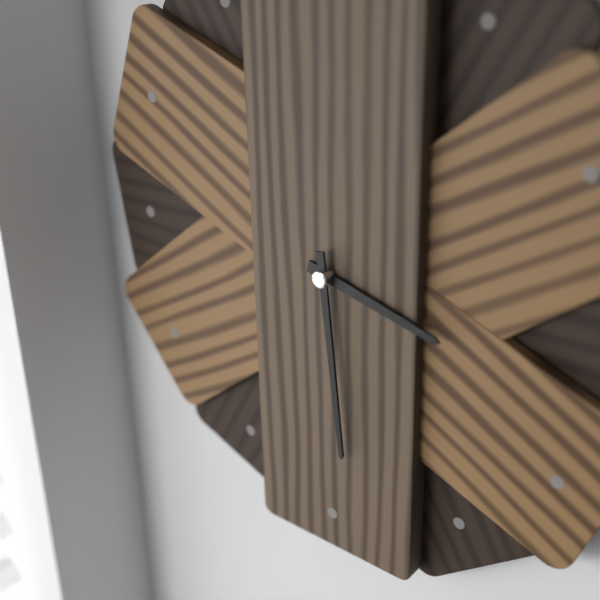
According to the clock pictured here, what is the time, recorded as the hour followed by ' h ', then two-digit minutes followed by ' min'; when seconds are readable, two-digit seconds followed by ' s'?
3 h 29 min
